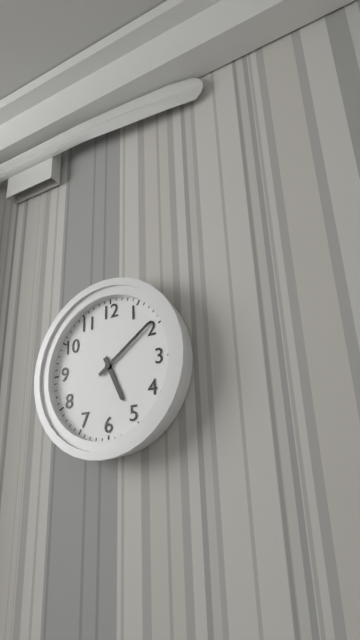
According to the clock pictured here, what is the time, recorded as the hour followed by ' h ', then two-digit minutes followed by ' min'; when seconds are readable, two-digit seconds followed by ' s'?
5 h 09 min
